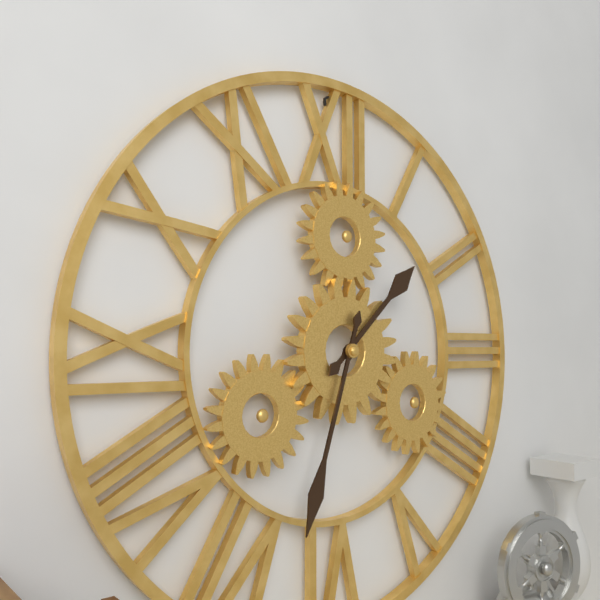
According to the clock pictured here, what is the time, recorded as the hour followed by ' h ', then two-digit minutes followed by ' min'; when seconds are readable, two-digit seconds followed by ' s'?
1 h 33 min
